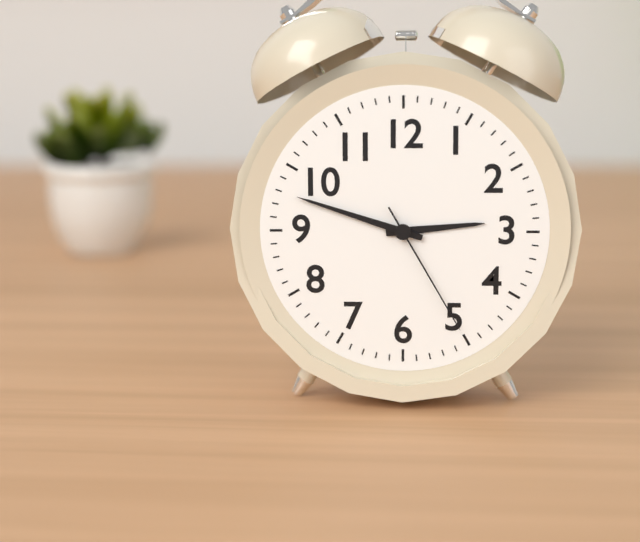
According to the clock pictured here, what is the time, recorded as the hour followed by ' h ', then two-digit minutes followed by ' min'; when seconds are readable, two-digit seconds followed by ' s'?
2 h 48 min 25 s
